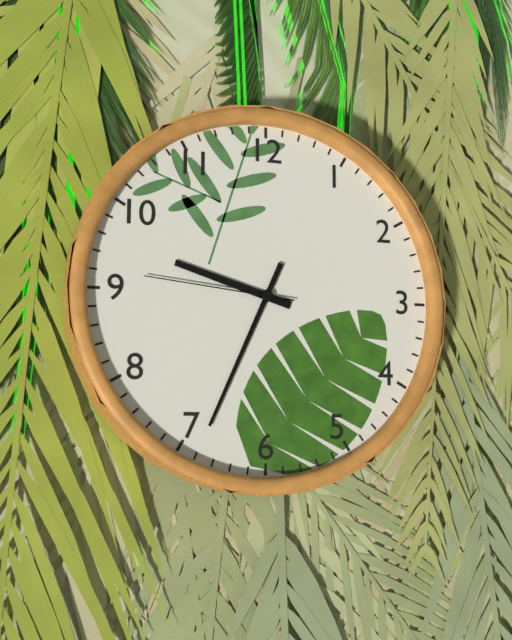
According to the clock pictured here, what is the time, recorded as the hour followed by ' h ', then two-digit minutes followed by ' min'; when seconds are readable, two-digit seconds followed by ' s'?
9 h 34 min 46 s
